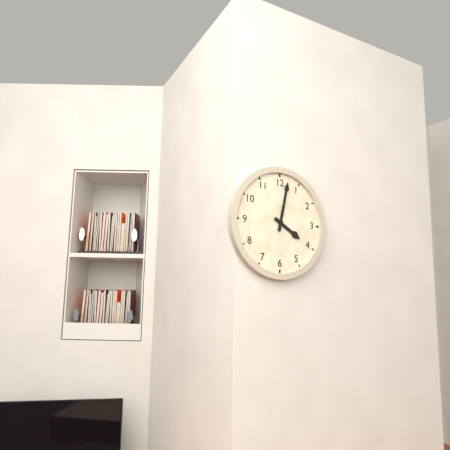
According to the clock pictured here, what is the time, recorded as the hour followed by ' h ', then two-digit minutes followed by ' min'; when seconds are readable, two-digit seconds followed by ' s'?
4 h 02 min
